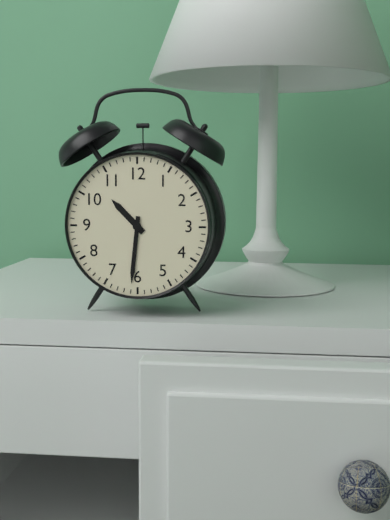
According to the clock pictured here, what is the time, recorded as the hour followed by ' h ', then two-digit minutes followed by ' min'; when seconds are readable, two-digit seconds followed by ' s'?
10 h 31 min
